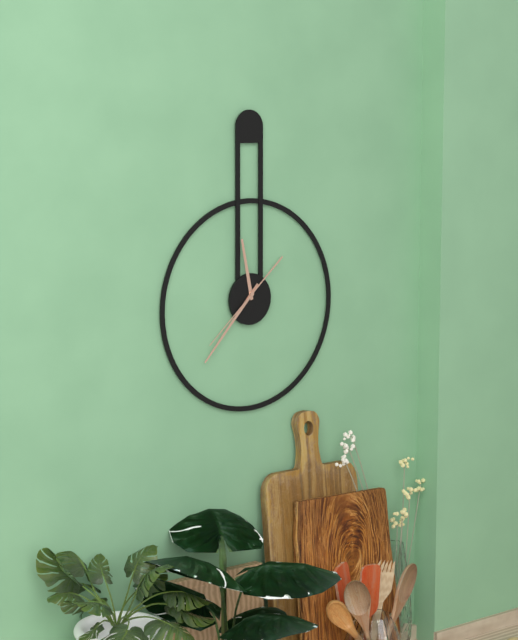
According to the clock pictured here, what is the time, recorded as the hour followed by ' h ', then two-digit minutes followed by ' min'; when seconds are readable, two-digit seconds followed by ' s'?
11 h 37 min 38 s
